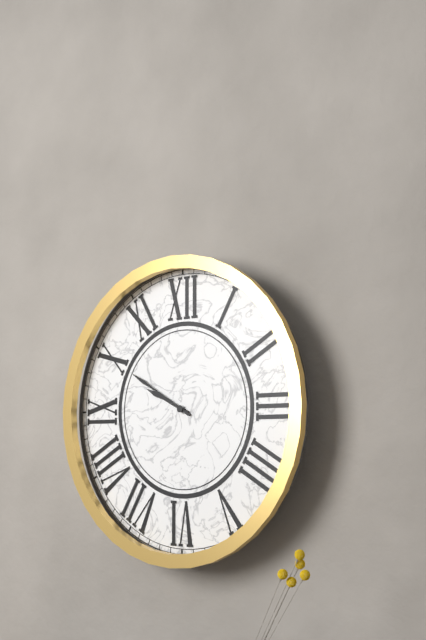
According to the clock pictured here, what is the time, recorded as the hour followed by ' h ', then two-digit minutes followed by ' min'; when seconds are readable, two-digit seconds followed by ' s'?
9 h 50 min
